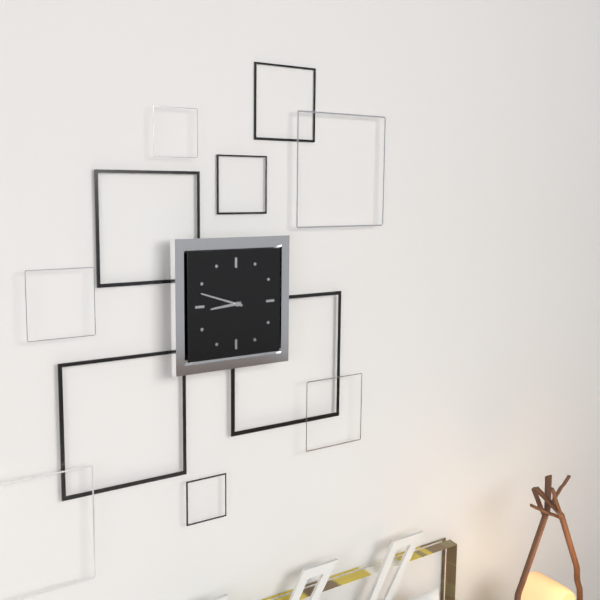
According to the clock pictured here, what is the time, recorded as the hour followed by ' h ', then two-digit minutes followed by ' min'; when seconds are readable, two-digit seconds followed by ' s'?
8 h 48 min
